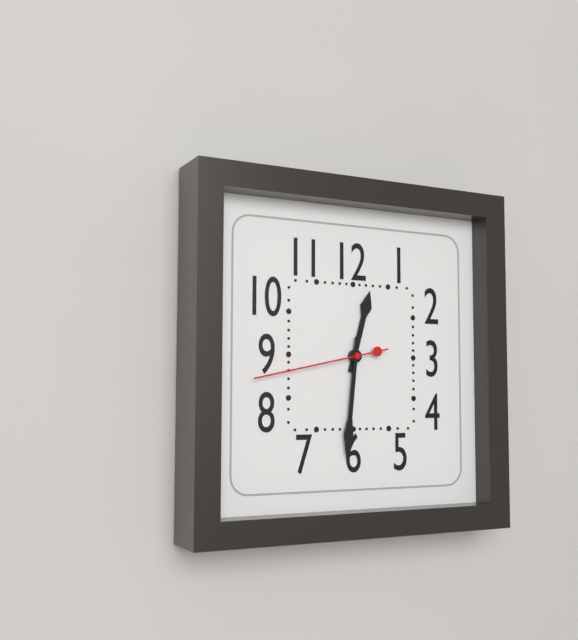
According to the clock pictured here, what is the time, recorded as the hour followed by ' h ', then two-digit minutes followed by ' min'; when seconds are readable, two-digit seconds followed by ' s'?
12 h 31 min 43 s
